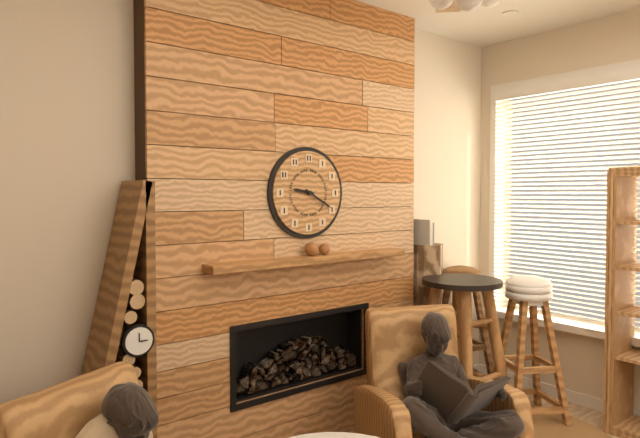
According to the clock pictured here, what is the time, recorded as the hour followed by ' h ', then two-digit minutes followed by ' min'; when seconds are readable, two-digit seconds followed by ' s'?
9 h 20 min
